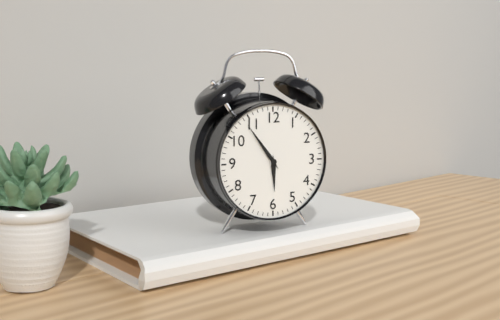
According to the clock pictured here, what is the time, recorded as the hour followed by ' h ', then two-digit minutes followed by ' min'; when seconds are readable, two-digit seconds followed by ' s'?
5 h 54 min
